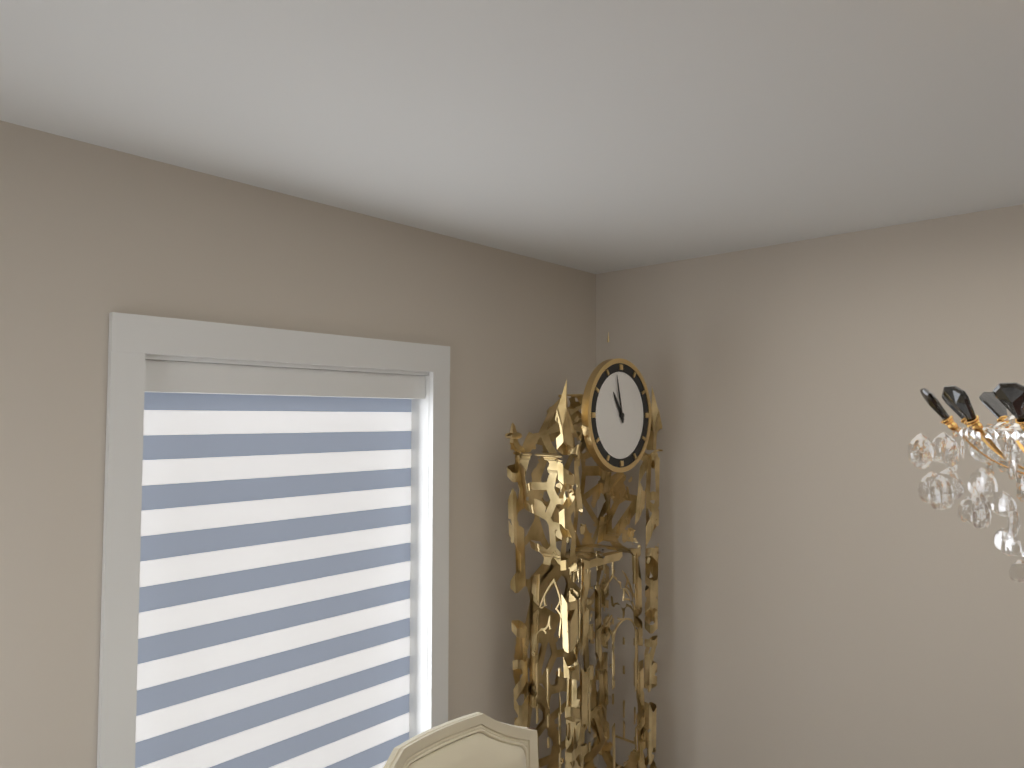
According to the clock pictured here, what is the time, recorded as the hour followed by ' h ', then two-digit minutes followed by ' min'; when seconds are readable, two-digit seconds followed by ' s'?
10 h 58 min
